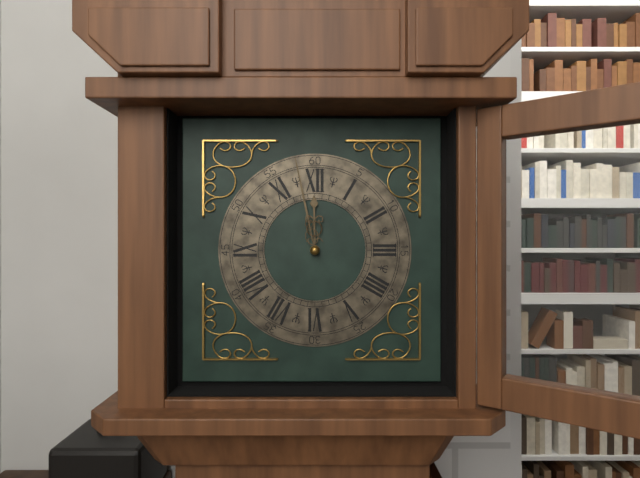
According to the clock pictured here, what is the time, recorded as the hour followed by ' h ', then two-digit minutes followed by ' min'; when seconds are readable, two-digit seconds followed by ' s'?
11 h 58 min
